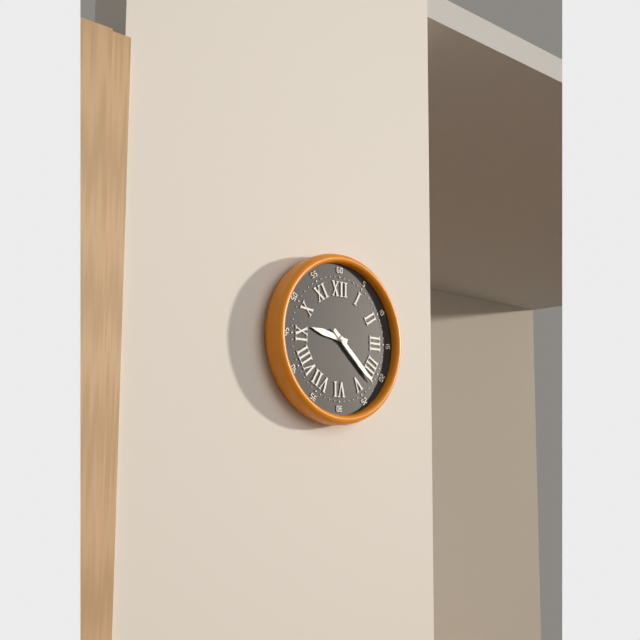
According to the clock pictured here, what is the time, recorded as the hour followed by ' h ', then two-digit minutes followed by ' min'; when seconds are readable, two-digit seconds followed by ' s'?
9 h 22 min
